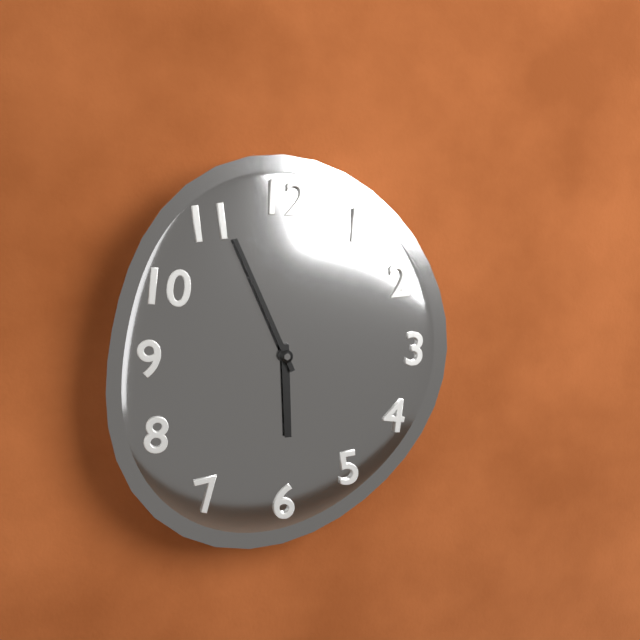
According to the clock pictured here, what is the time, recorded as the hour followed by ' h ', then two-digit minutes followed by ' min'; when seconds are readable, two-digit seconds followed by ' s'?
5 h 56 min
